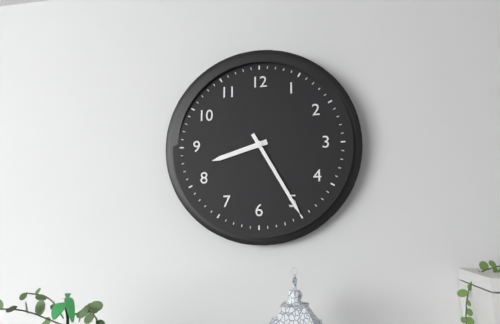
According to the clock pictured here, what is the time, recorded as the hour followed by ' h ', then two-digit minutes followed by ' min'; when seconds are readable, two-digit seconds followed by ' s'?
8 h 25 min
